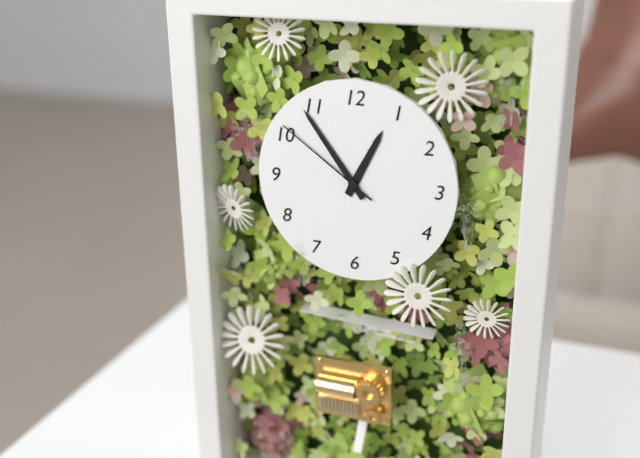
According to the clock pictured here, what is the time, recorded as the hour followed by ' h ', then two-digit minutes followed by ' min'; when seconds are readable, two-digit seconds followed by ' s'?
12 h 54 min 51 s
